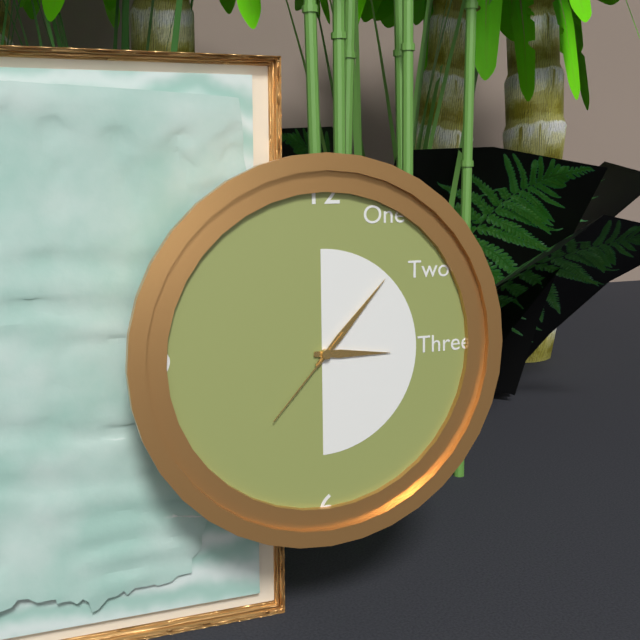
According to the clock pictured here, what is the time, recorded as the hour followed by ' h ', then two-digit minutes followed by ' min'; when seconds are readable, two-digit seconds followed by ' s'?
3 h 07 min 37 s
